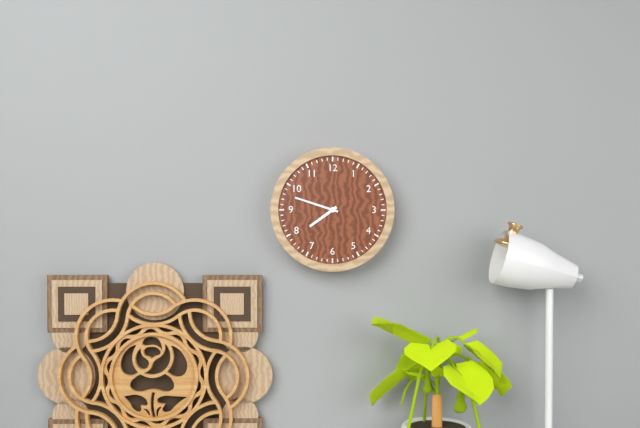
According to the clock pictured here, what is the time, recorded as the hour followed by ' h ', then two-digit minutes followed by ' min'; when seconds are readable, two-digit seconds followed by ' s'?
7 h 48 min
